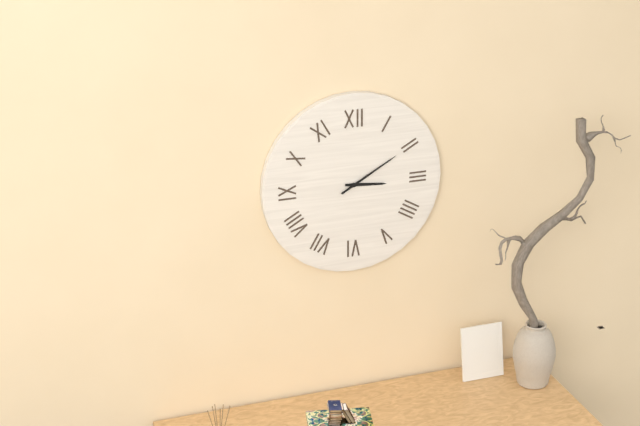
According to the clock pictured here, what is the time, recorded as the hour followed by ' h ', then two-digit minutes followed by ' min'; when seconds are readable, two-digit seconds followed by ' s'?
3 h 10 min
